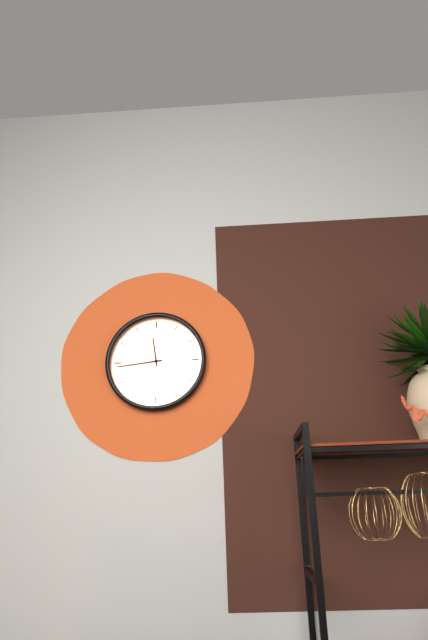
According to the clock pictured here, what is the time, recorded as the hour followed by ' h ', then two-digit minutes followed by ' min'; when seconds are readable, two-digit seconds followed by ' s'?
11 h 44 min
